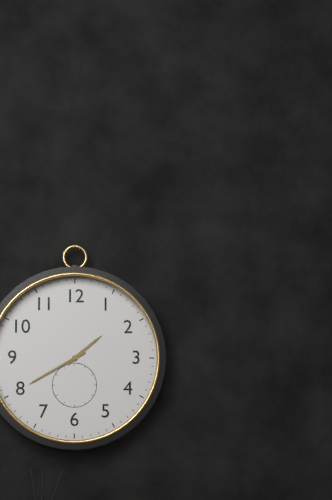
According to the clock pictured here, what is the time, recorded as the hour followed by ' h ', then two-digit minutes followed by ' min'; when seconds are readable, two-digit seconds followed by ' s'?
1 h 40 min
